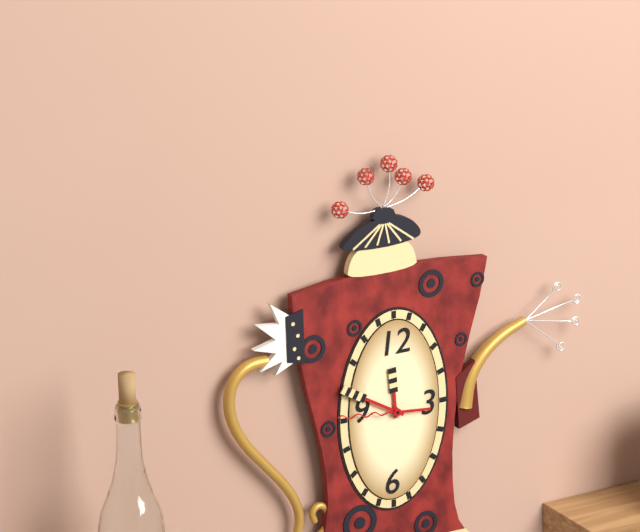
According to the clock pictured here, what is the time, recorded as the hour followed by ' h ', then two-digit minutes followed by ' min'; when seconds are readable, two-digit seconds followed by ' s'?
11 h 50 min 46 s
